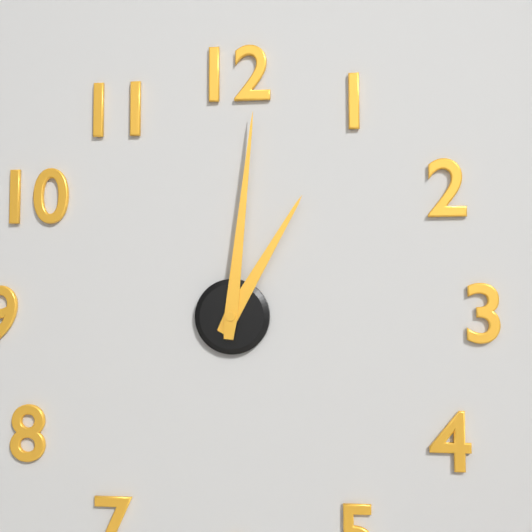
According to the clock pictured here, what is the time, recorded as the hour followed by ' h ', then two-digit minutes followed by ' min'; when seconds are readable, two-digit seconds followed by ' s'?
1 h 01 min
